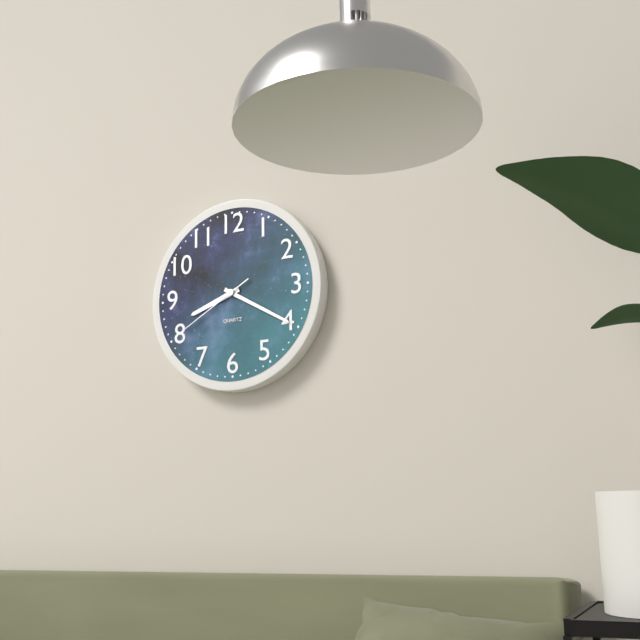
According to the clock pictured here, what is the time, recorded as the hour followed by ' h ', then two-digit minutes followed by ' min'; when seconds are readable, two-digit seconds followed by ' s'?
8 h 20 min 40 s
